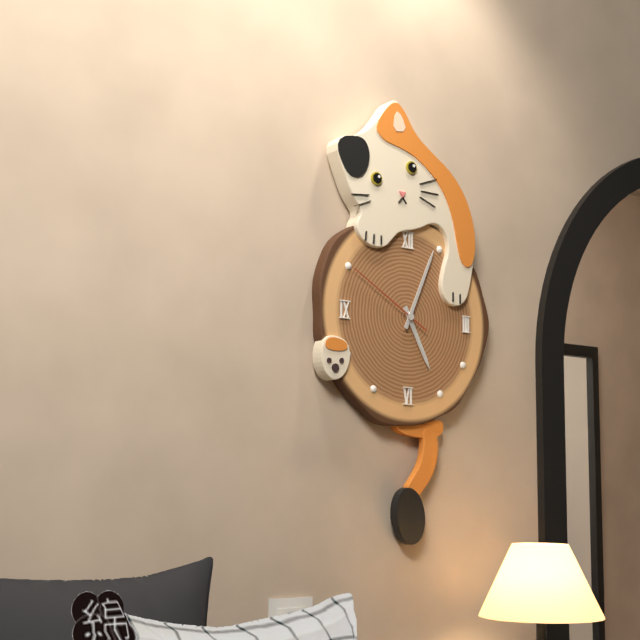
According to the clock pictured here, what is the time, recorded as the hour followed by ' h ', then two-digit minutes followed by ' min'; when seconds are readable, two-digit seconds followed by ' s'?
5 h 04 min 50 s
